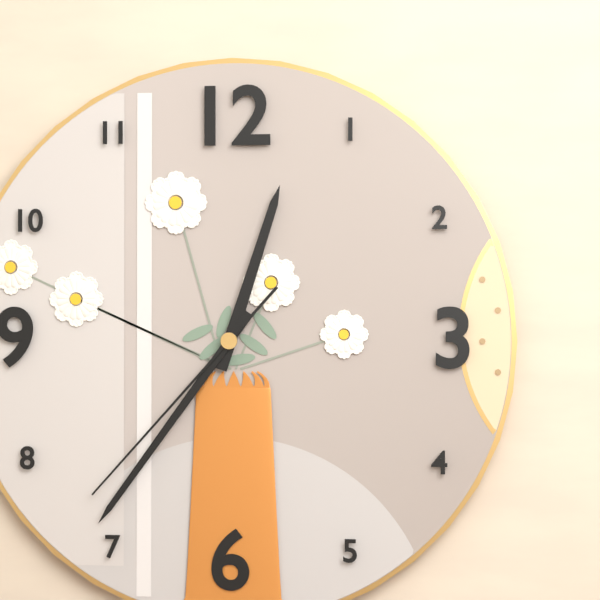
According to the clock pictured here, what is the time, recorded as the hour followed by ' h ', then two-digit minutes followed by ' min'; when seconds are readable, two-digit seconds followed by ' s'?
12 h 36 min 37 s
